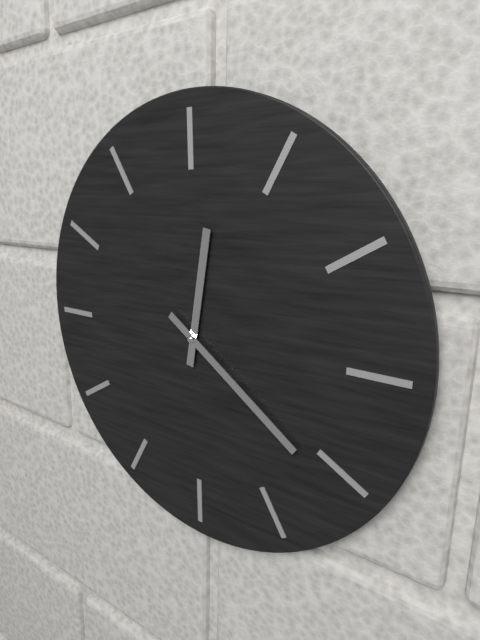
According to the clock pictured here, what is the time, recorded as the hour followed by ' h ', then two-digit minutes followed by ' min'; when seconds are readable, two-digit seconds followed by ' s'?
12 h 21 min
